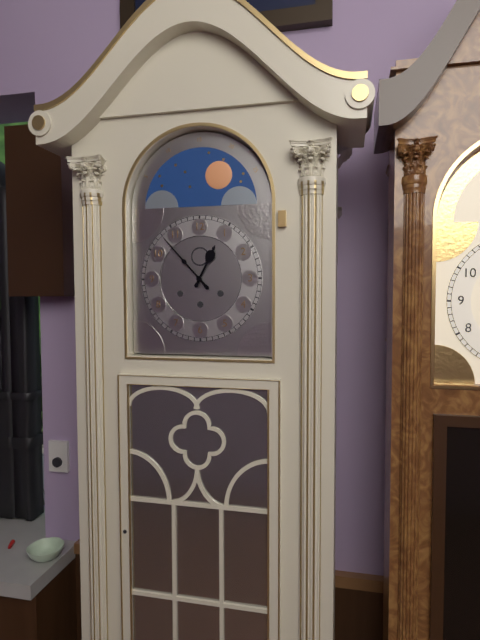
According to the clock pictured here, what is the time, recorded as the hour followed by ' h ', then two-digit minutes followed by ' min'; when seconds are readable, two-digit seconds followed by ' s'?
12 h 53 min
